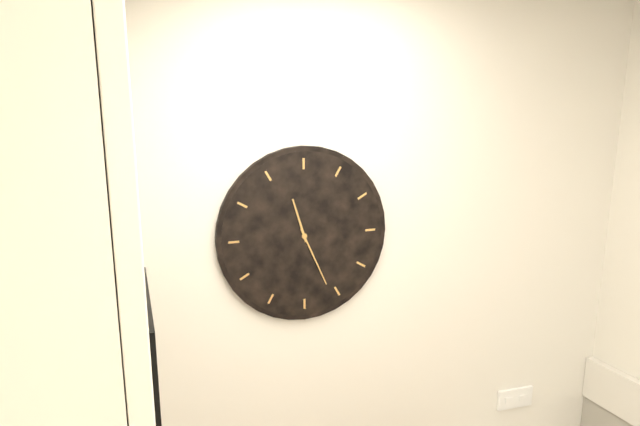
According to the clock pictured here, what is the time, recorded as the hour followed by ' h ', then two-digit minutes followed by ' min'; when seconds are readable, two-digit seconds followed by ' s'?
11 h 26 min
